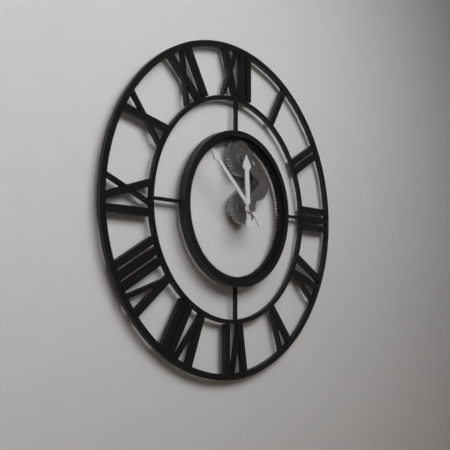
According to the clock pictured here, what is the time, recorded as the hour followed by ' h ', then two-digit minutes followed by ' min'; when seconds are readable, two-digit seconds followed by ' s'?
11 h 52 min
